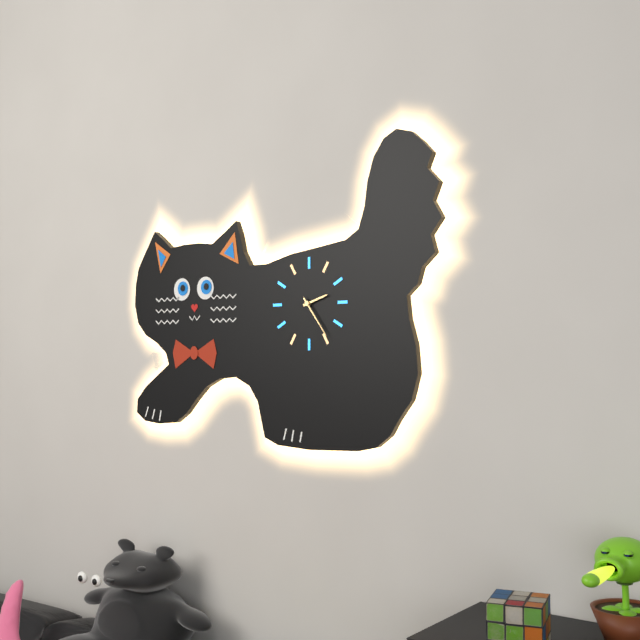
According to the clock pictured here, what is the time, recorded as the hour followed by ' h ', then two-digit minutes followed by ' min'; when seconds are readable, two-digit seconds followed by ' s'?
2 h 24 min
